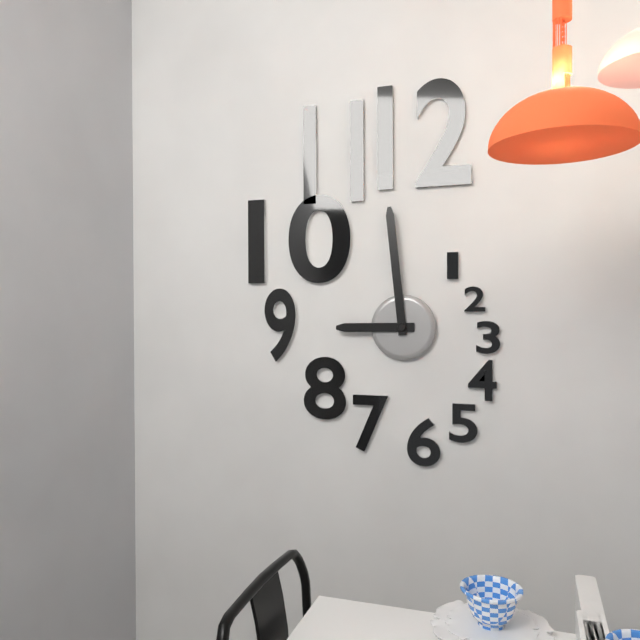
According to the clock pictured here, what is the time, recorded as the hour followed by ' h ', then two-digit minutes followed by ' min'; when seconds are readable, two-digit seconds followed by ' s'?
8 h 59 min
